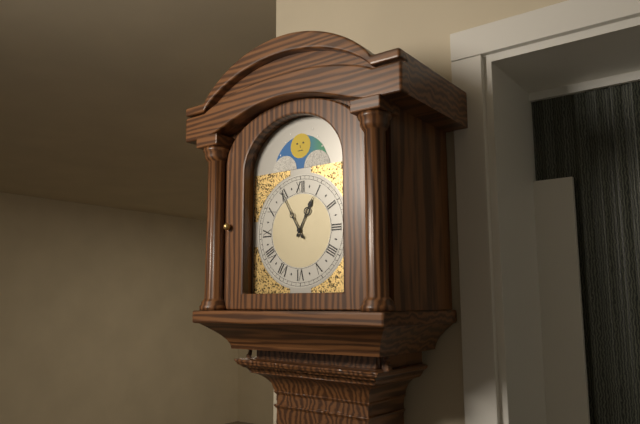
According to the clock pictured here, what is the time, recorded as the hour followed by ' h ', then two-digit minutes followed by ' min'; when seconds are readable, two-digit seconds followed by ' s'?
12 h 55 min
